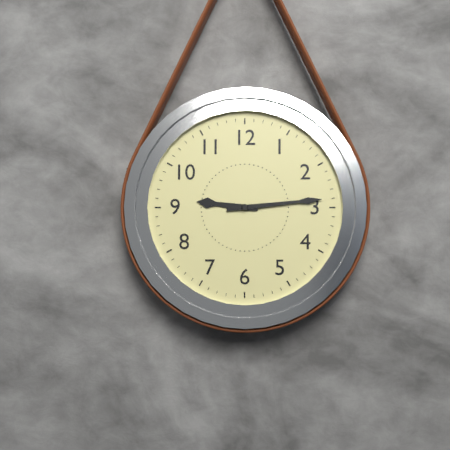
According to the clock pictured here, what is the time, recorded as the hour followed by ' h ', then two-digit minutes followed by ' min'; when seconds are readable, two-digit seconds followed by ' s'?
9 h 14 min
